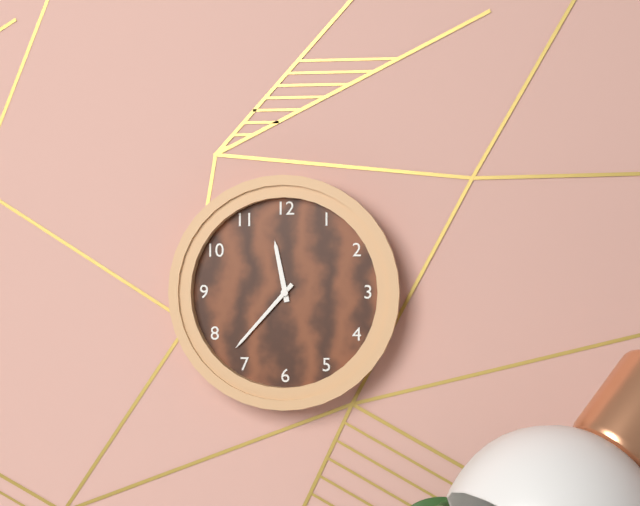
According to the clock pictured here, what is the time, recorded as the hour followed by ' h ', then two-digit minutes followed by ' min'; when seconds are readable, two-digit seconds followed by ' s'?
11 h 37 min
